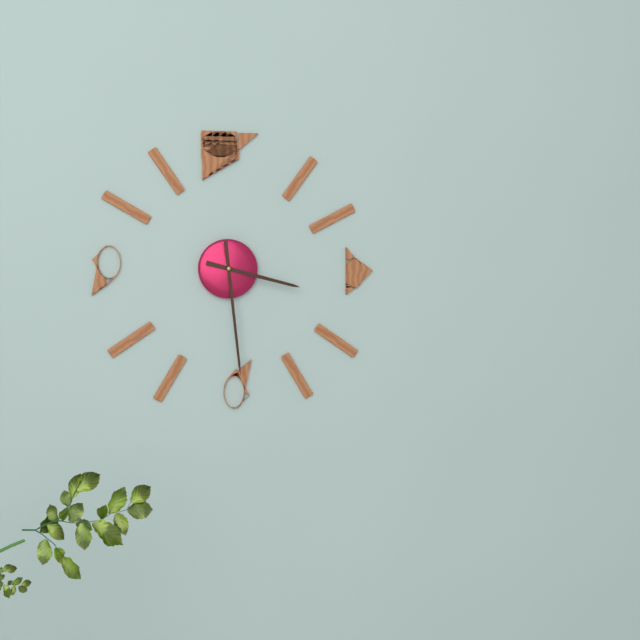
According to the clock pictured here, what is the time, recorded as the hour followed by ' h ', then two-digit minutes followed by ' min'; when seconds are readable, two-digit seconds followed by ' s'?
3 h 29 min
